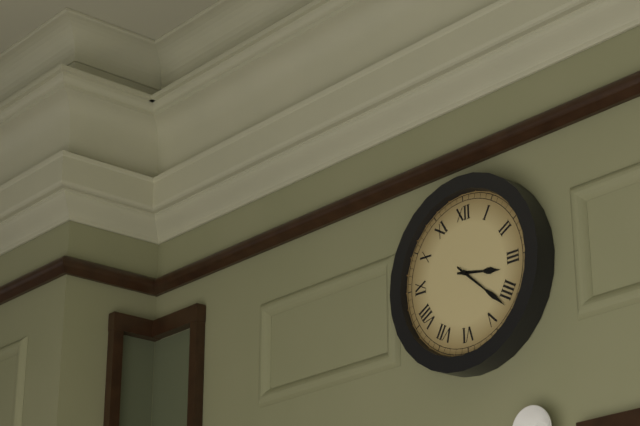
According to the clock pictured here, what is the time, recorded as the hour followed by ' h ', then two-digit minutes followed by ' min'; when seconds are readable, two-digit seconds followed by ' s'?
3 h 22 min
